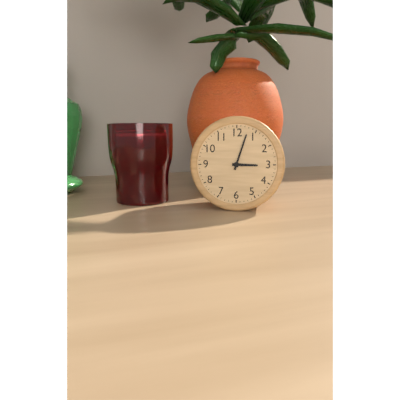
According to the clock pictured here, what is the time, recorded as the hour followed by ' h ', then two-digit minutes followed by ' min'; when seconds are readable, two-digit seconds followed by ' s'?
3 h 03 min
